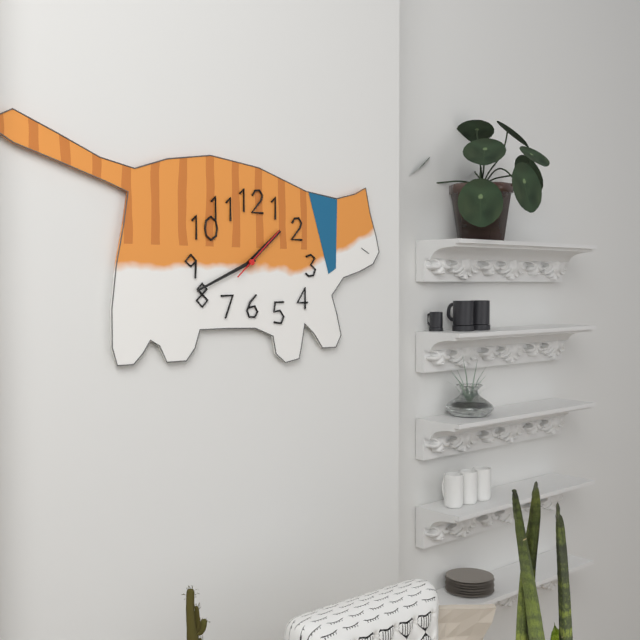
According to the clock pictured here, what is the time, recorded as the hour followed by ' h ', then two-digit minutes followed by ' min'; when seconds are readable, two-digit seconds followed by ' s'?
1 h 41 min 08 s
